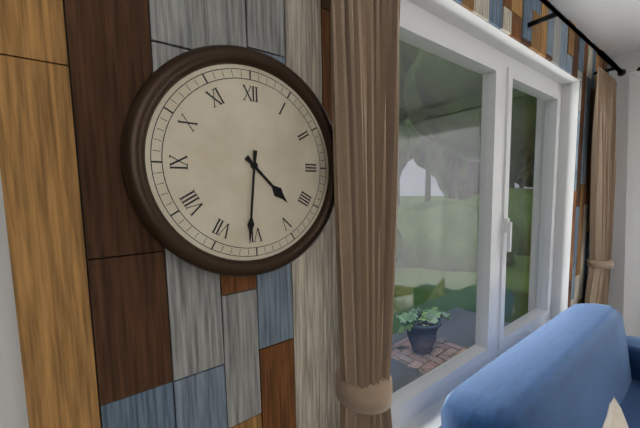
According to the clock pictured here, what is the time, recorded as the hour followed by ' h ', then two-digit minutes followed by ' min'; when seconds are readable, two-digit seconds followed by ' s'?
4 h 31 min
